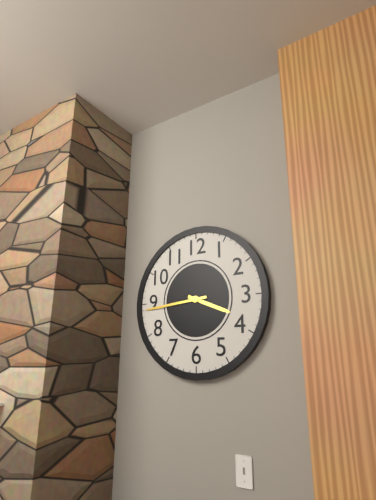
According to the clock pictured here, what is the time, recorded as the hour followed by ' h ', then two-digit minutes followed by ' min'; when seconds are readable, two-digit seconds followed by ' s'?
3 h 44 min
